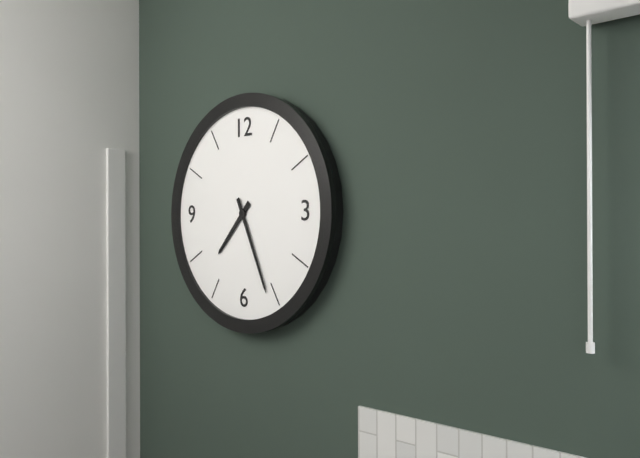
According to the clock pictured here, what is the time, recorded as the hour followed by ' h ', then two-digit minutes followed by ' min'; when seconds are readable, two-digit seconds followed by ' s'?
7 h 26 min
